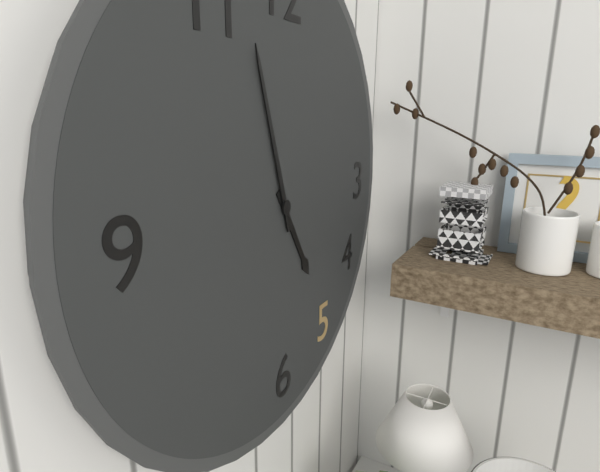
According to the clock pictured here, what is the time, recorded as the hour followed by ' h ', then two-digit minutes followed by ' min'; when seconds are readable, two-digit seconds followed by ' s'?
4 h 57 min
